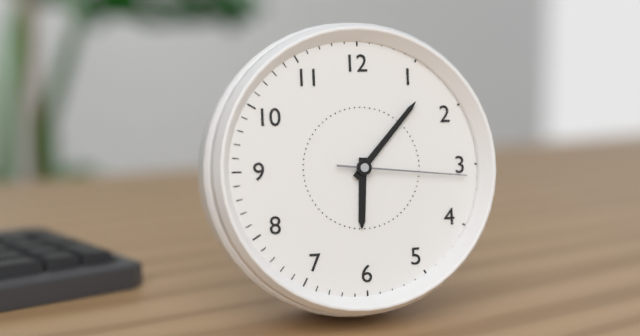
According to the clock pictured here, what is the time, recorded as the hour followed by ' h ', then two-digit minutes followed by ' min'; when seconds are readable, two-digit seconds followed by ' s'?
6 h 07 min 16 s
